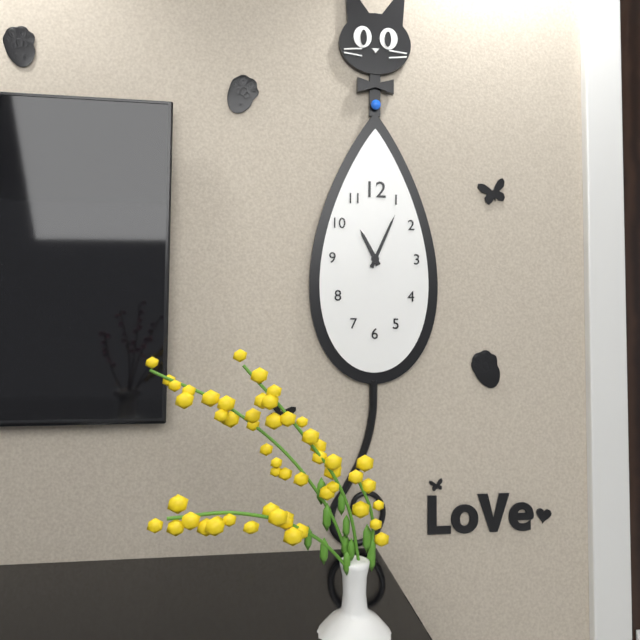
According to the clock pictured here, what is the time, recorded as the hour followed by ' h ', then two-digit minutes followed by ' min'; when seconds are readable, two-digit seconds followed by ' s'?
11 h 04 min
